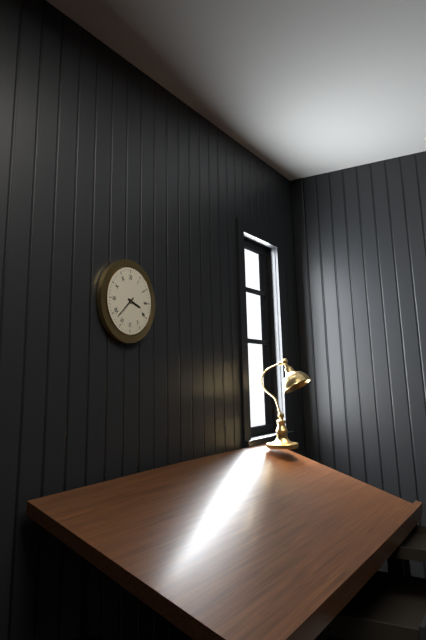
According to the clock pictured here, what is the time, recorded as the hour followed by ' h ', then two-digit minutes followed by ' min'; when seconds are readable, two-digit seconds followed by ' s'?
3 h 38 min
